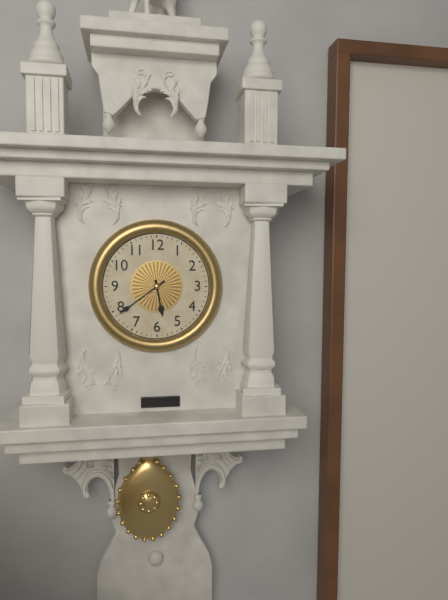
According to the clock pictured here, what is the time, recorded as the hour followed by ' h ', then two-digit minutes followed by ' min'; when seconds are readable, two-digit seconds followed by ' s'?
5 h 39 min
